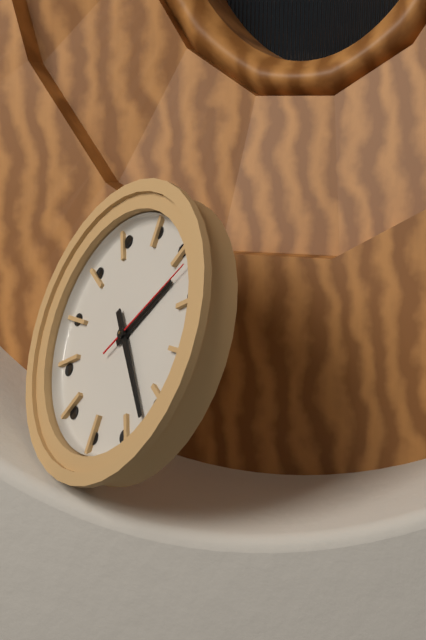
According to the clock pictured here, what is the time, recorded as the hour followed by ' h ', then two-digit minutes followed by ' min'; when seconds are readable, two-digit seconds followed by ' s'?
1 h 22 min 07 s
